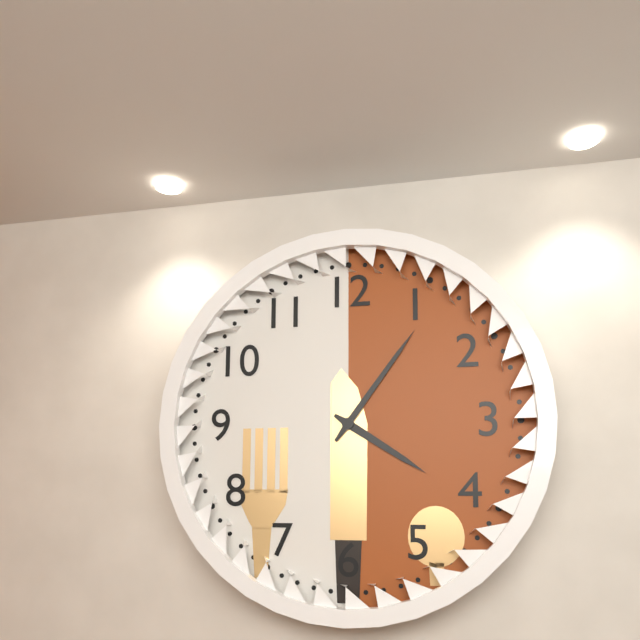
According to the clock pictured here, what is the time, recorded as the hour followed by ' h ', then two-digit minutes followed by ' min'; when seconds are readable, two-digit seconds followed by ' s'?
4 h 06 min
